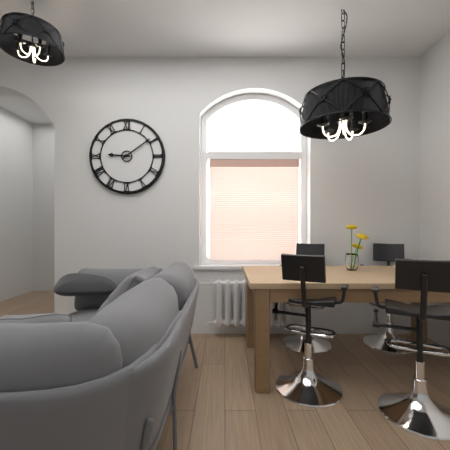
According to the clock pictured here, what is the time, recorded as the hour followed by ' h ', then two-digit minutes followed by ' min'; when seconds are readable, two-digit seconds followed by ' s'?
9 h 09 min
